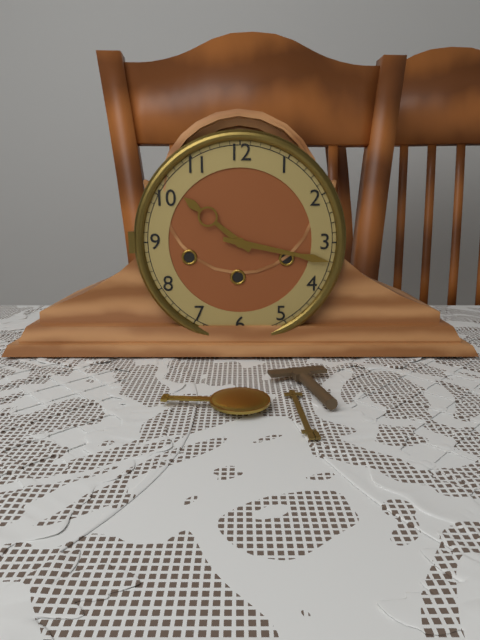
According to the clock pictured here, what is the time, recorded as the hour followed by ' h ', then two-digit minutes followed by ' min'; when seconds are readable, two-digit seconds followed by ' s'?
10 h 17 min
